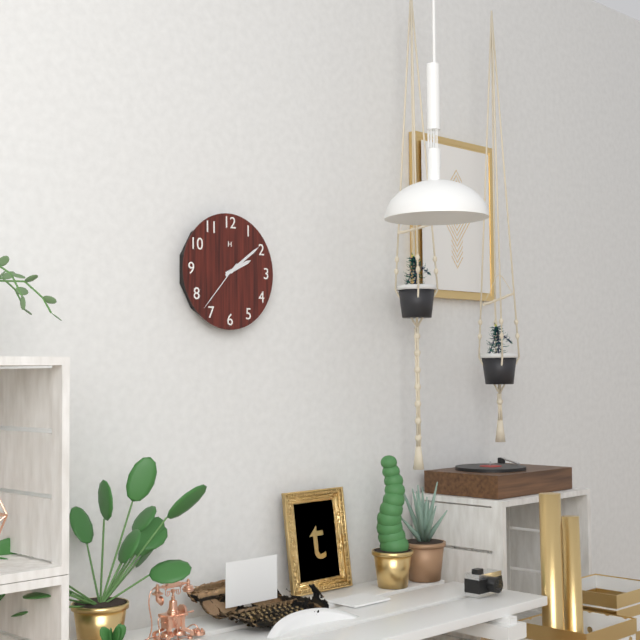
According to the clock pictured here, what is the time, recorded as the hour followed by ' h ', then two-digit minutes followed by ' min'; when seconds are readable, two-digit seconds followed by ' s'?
2 h 09 min 37 s
